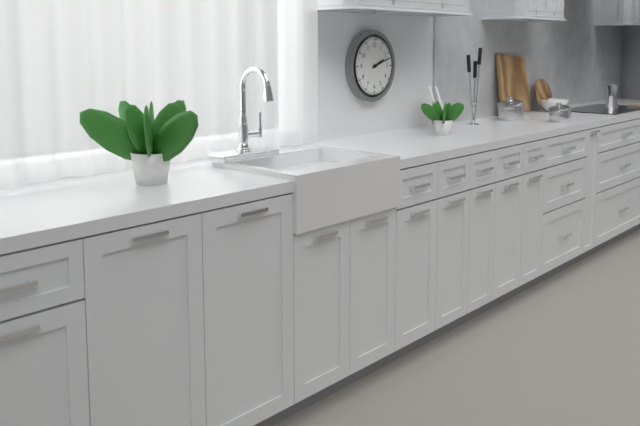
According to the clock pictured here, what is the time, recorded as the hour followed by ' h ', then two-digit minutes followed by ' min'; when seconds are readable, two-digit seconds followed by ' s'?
2 h 12 min
